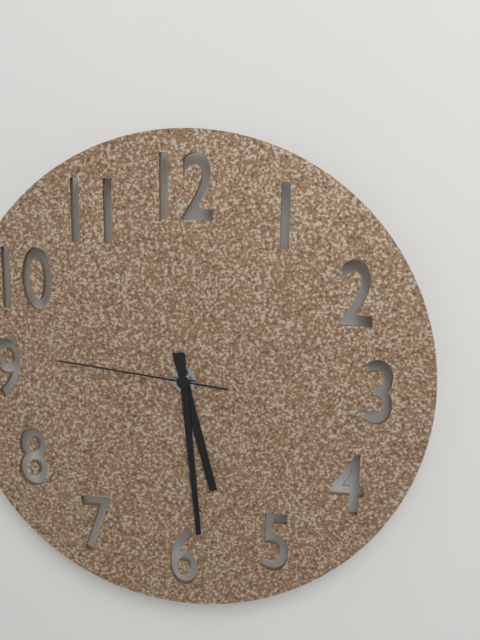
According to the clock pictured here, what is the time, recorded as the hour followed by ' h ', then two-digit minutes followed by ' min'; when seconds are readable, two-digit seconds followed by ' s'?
5 h 29 min 46 s
